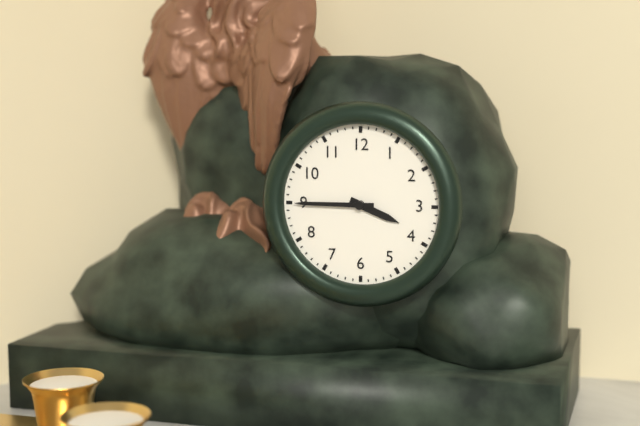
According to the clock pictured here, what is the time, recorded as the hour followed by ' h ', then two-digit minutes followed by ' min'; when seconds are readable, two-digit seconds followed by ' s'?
3 h 45 min
